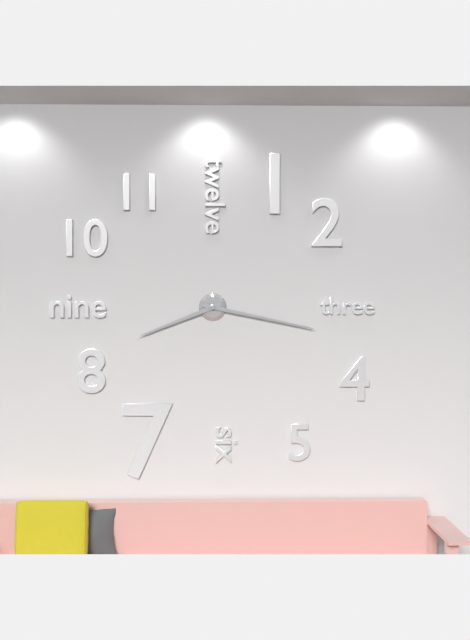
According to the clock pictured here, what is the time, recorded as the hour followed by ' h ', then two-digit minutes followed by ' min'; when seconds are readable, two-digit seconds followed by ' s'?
8 h 17 min
